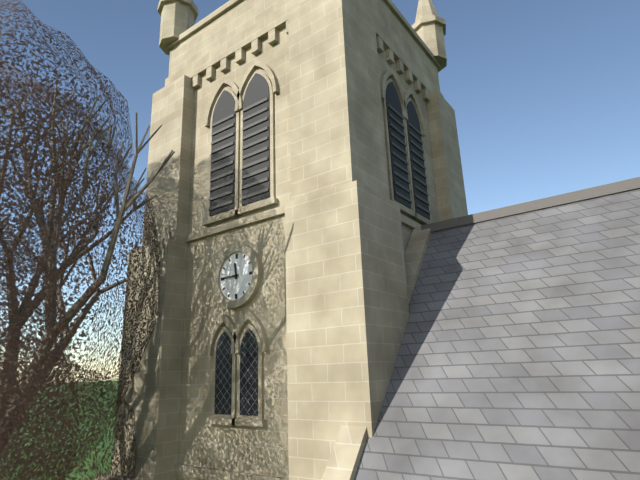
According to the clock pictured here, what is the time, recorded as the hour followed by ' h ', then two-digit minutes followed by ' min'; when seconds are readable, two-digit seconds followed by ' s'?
11 h 45 min
